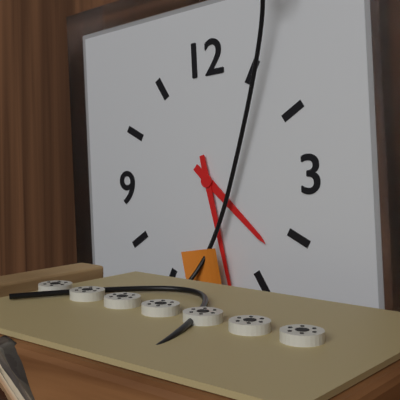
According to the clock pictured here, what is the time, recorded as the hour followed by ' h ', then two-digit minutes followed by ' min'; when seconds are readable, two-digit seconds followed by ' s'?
4 h 28 min
